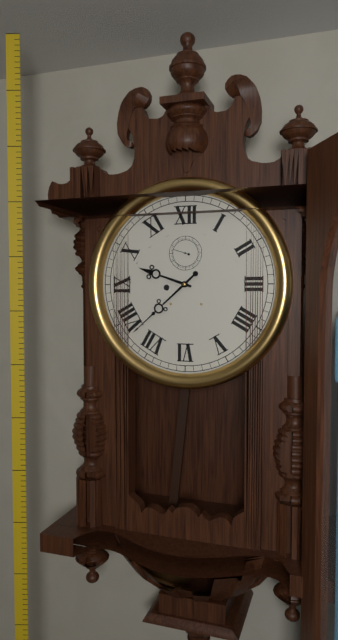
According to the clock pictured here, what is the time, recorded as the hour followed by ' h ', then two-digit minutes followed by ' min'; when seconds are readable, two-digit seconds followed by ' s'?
9 h 38 min
